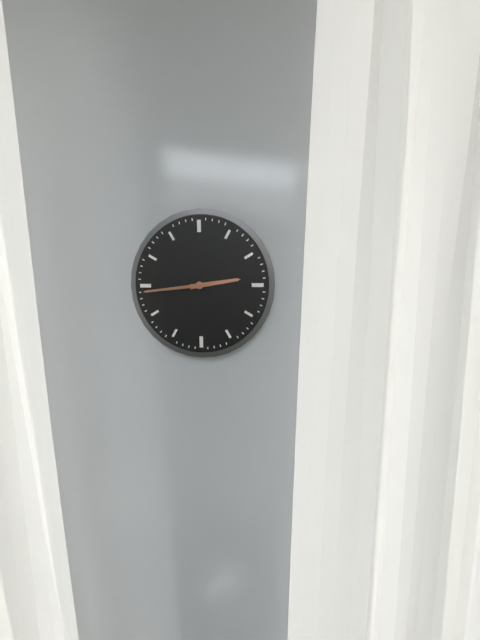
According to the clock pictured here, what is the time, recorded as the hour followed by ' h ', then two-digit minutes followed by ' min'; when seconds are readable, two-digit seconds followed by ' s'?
2 h 44 min
